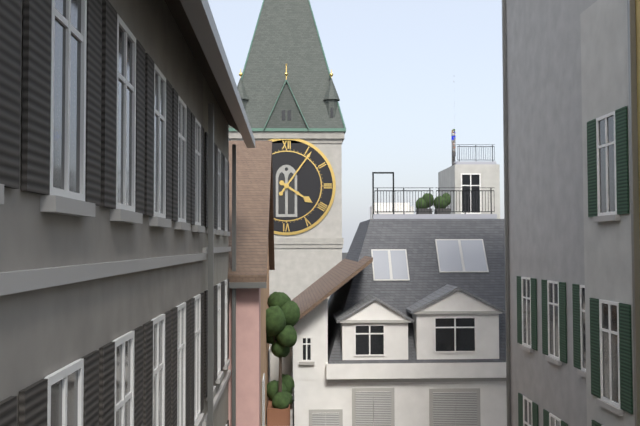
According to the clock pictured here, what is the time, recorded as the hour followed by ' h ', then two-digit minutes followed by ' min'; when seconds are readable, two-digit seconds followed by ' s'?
4 h 06 min
